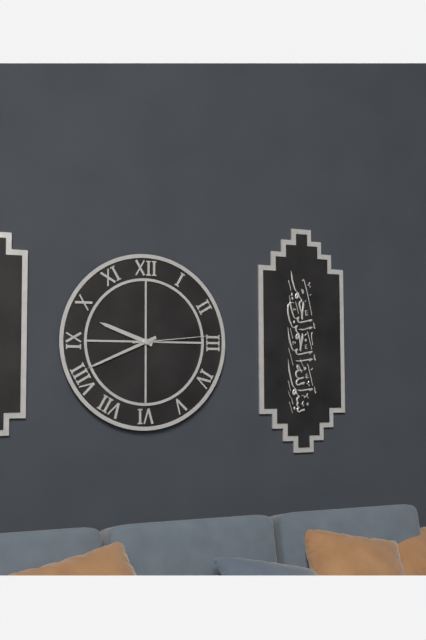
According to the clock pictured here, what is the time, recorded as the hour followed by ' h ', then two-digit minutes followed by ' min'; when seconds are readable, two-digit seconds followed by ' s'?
9 h 41 min 14 s
